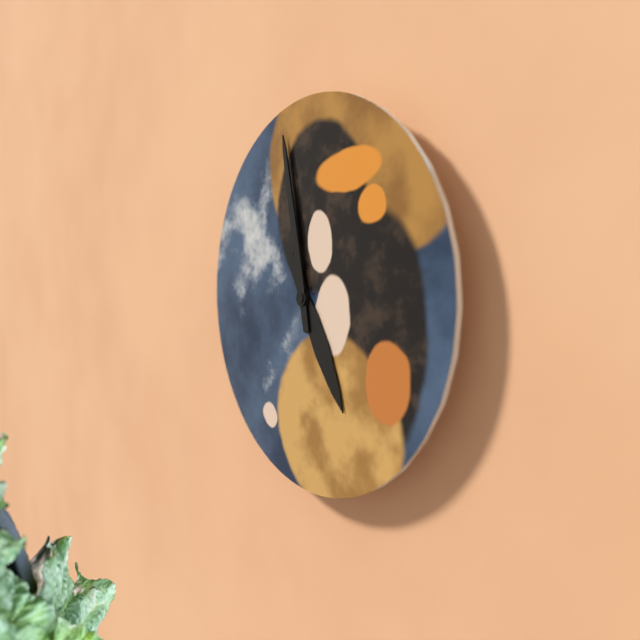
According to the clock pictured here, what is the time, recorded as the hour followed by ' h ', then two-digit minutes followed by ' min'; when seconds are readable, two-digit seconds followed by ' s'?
4 h 58 min
